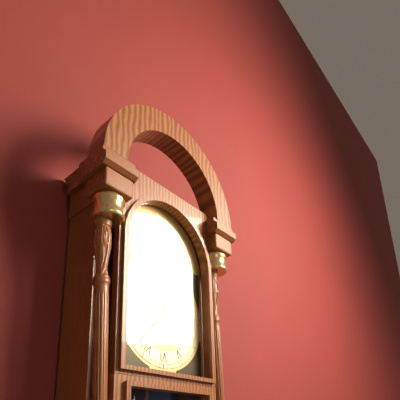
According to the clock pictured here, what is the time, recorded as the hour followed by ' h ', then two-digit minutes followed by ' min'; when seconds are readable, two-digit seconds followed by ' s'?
12 h 37 min
